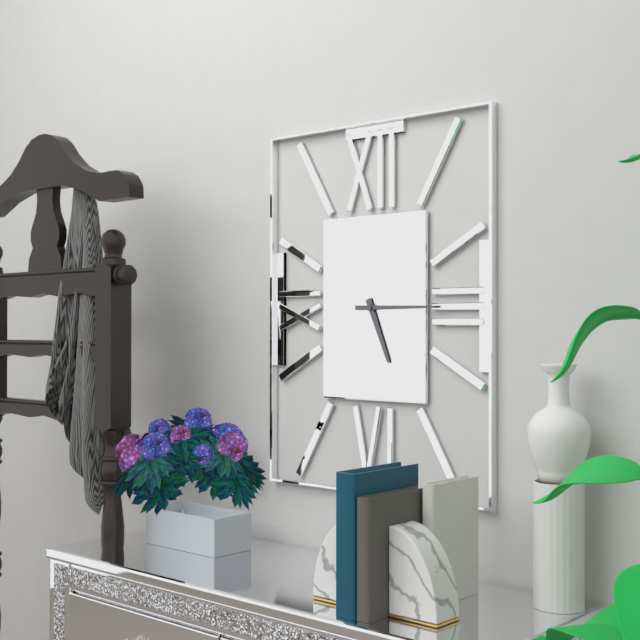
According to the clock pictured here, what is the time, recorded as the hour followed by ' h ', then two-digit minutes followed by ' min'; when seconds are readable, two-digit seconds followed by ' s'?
5 h 15 min
